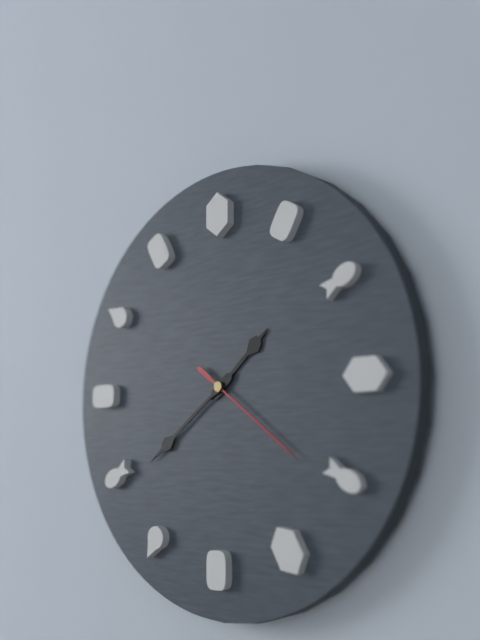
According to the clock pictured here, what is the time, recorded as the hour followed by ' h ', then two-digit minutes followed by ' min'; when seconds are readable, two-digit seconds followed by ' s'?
1 h 39 min 21 s
